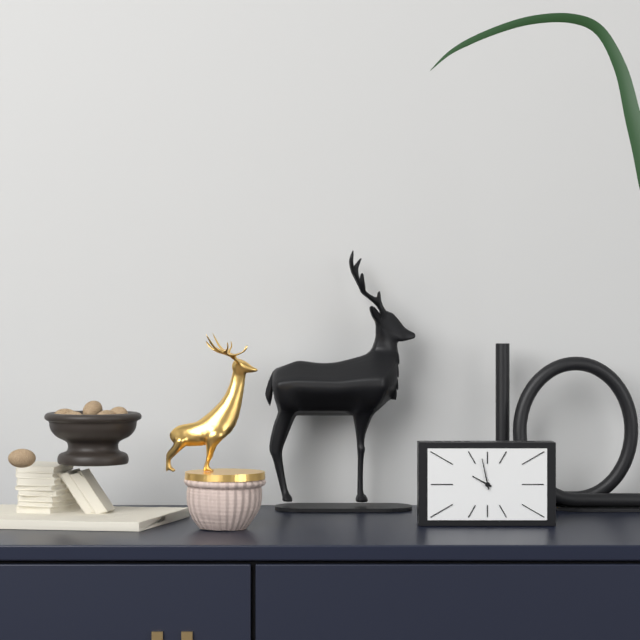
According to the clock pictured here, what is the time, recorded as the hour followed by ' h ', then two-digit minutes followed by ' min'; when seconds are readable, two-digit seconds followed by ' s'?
9 h 58 min
